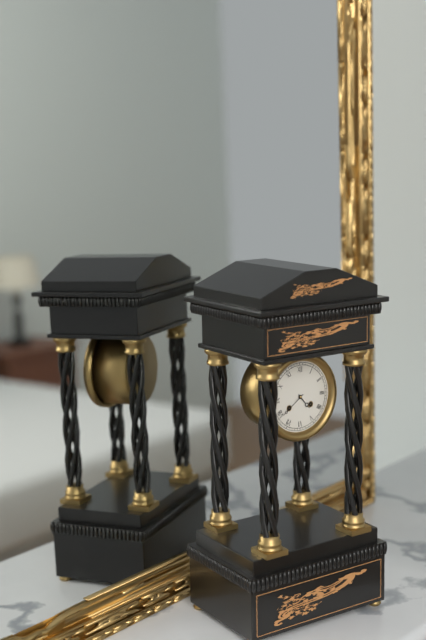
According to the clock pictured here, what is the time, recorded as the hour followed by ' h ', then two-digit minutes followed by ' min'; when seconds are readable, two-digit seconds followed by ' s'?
4 h 39 min
